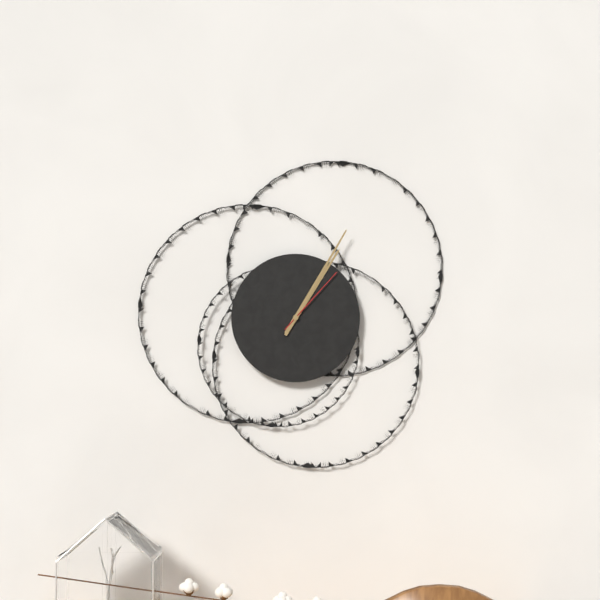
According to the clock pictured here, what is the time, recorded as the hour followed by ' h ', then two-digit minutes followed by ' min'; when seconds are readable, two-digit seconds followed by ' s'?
1 h 05 min 07 s
